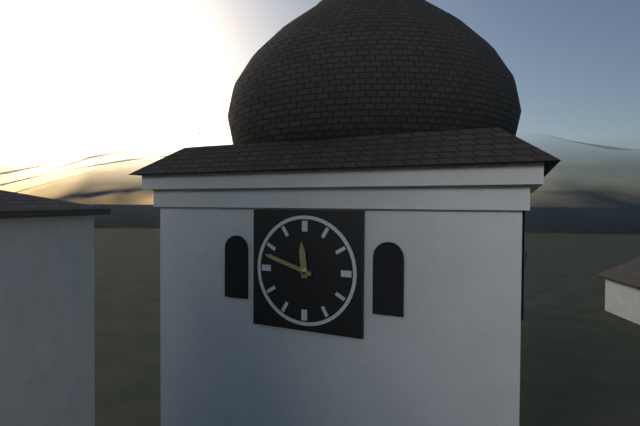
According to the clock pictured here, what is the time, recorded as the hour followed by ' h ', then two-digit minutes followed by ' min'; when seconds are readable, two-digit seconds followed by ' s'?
11 h 48 min
